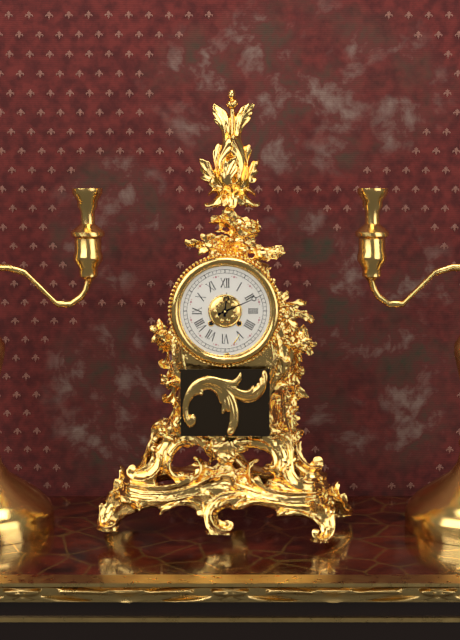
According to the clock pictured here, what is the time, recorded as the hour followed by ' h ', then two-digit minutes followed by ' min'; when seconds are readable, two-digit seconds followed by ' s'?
12 h 11 min
